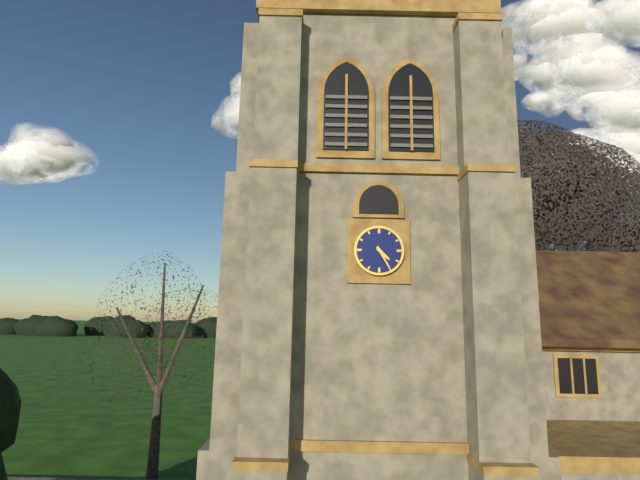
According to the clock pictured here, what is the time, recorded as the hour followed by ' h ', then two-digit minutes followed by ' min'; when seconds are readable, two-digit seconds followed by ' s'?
4 h 25 min
